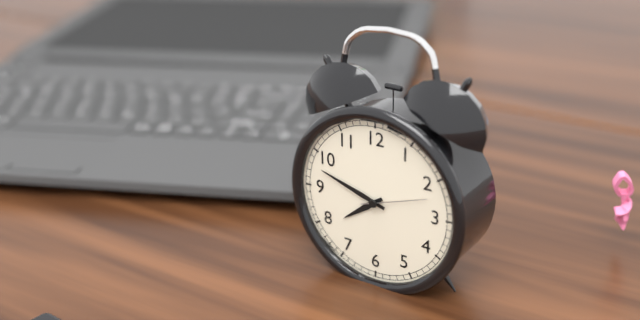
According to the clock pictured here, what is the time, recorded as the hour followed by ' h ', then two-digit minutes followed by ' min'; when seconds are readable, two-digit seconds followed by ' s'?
7 h 48 min 12 s
